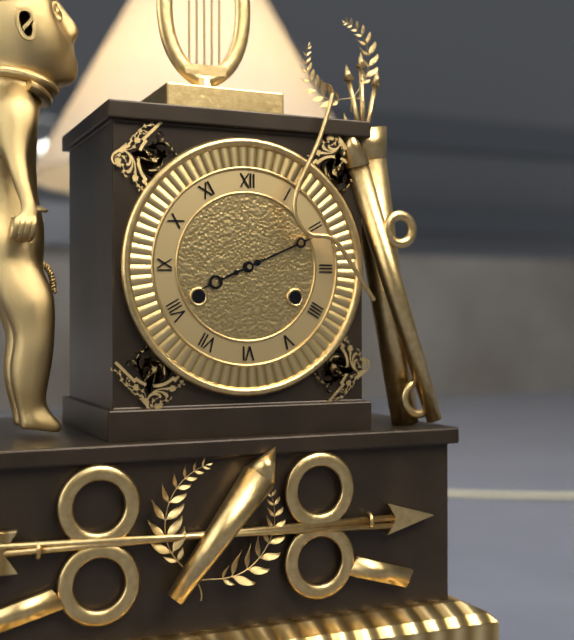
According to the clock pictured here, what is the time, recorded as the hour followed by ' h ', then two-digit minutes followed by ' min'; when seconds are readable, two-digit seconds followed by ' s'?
8 h 11 min
